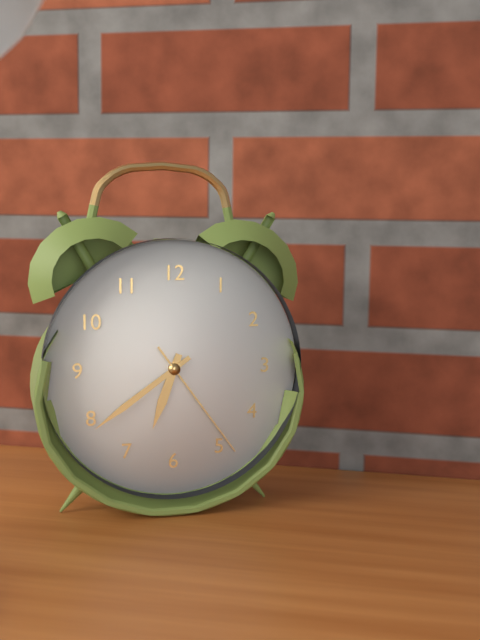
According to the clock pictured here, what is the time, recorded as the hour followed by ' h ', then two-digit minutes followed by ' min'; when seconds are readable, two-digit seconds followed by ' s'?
6 h 39 min 24 s
